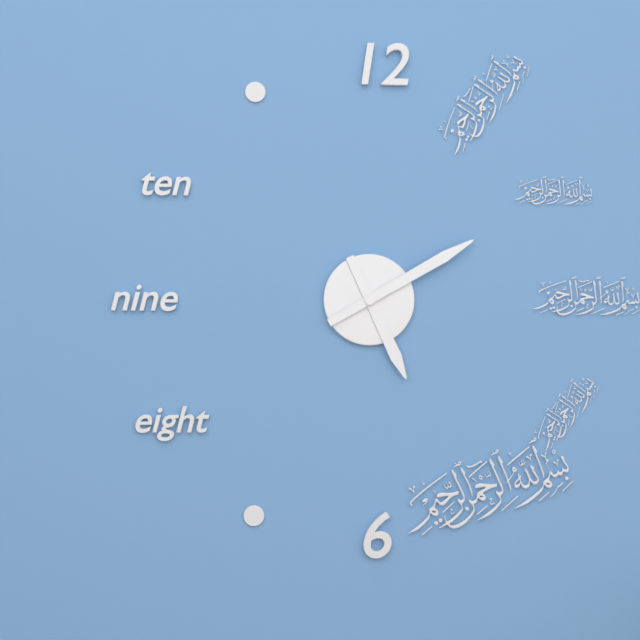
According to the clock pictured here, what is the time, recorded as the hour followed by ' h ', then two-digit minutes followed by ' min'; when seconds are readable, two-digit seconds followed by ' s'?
5 h 10 min
